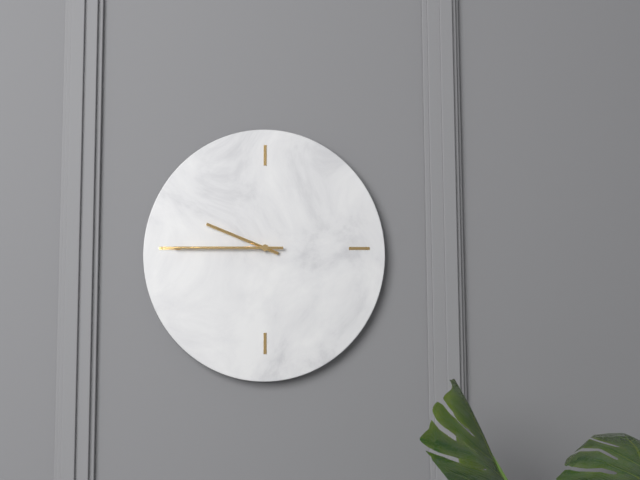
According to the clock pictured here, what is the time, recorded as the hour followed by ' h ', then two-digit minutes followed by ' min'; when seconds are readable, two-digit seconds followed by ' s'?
9 h 45 min
